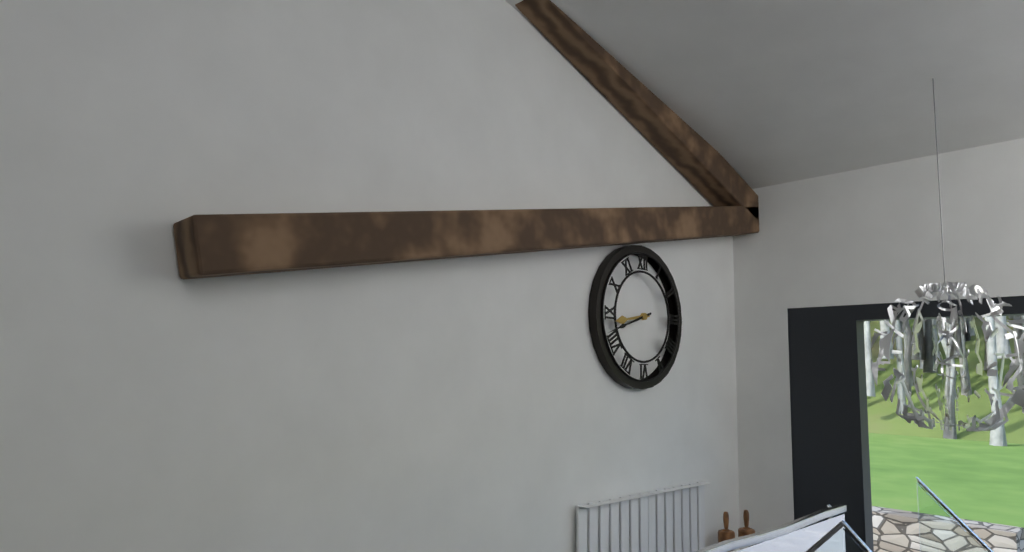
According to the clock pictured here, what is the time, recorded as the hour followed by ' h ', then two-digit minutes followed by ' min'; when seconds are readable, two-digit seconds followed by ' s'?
8 h 42 min
